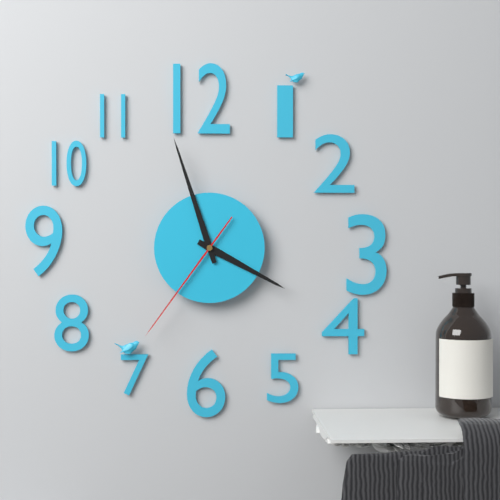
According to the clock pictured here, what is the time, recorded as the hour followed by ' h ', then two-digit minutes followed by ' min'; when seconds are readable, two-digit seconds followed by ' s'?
3 h 57 min 36 s
